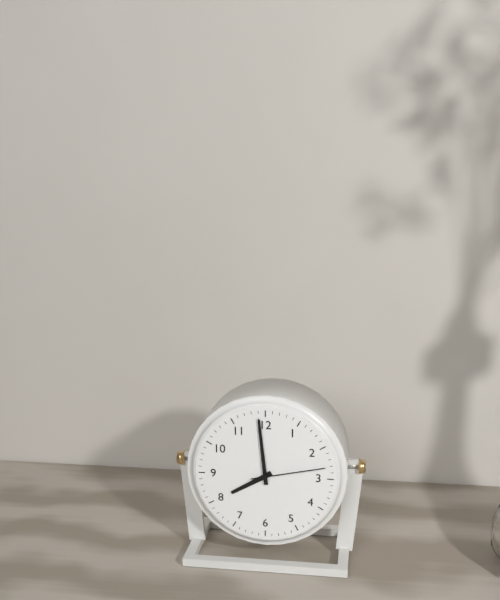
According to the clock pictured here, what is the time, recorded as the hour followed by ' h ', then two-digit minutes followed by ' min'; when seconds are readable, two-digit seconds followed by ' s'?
7 h 59 min 13 s
